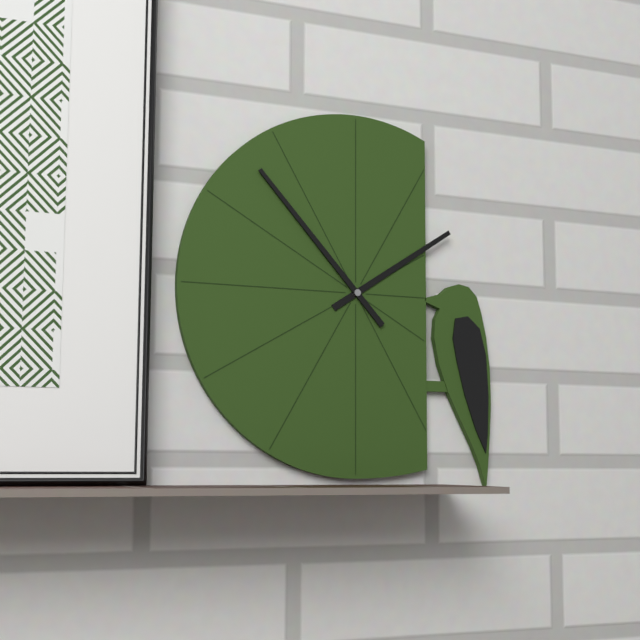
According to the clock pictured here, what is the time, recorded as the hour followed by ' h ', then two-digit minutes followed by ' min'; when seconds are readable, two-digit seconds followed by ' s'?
1 h 53 min
